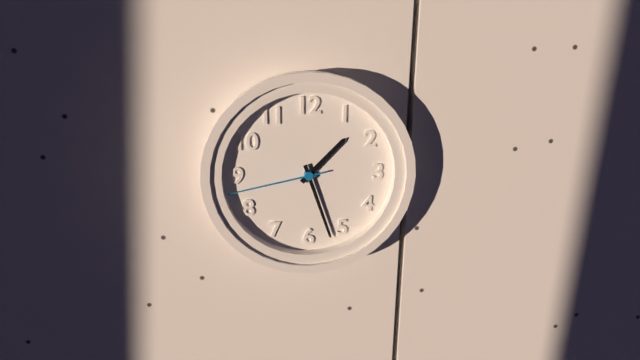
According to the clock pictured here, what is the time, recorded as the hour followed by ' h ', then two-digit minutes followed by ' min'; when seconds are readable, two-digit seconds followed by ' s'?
1 h 27 min 43 s
